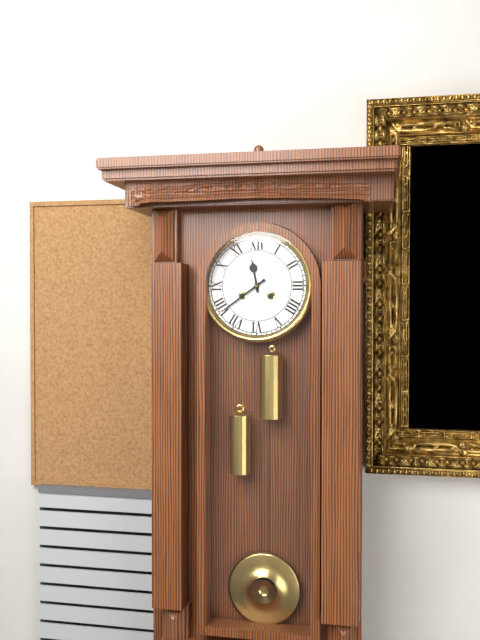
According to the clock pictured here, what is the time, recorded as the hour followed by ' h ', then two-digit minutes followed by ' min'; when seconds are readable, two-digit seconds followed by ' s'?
11 h 39 min
